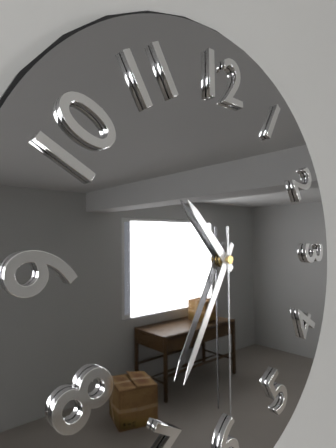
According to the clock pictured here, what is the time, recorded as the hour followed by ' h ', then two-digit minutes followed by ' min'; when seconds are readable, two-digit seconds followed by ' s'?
10 h 35 min 30 s
